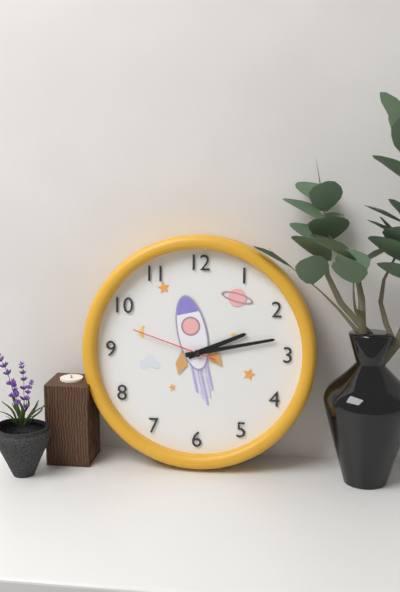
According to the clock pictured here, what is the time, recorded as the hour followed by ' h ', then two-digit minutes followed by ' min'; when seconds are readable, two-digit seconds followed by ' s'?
2 h 13 min 48 s
